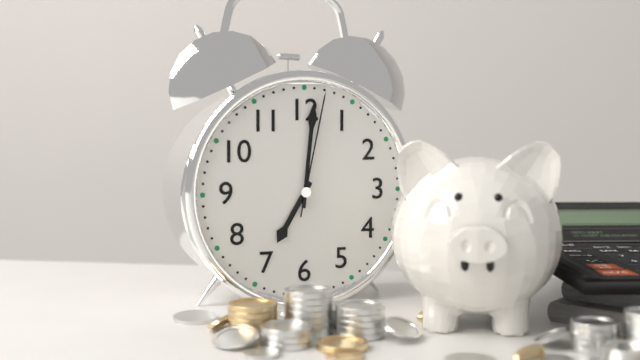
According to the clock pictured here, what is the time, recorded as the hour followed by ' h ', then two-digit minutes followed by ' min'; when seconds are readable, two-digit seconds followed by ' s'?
7 h 01 min 02 s
